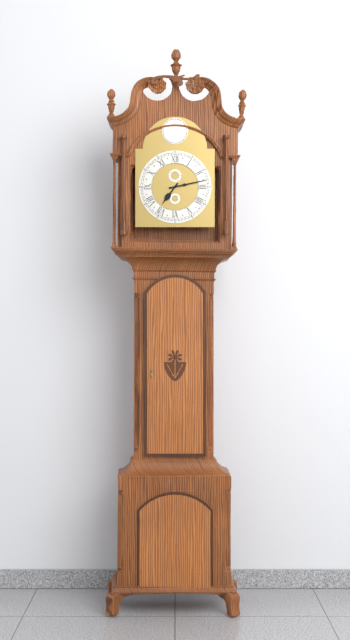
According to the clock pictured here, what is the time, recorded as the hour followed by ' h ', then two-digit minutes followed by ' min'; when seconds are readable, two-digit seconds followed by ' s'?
7 h 13 min
